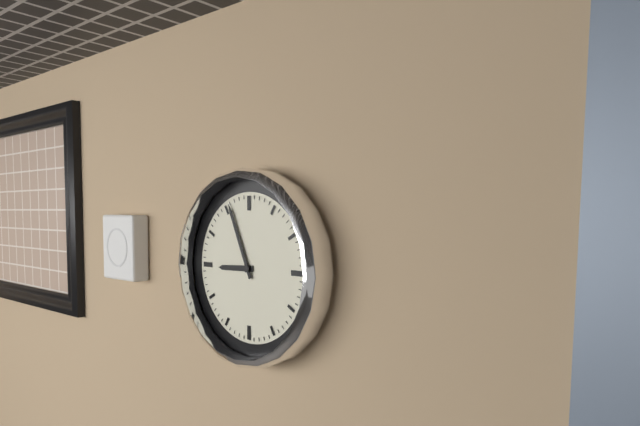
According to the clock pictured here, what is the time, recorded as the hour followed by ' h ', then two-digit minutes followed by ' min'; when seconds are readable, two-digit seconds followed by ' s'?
8 h 56 min
